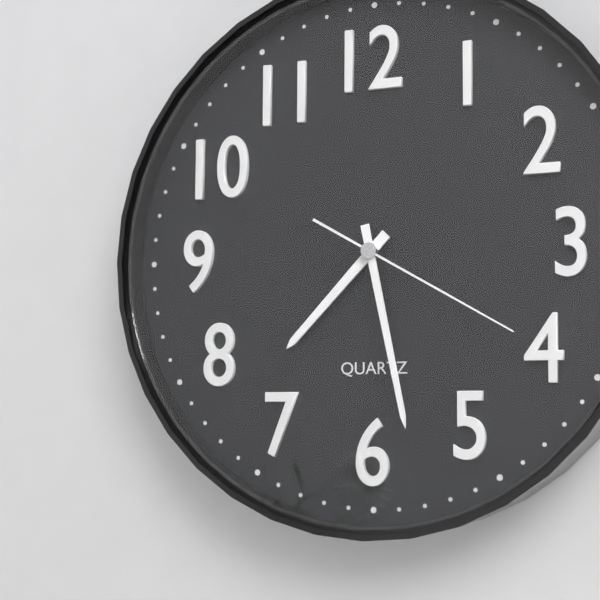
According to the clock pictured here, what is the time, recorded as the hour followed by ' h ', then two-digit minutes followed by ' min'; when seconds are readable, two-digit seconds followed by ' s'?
7 h 28 min 20 s
